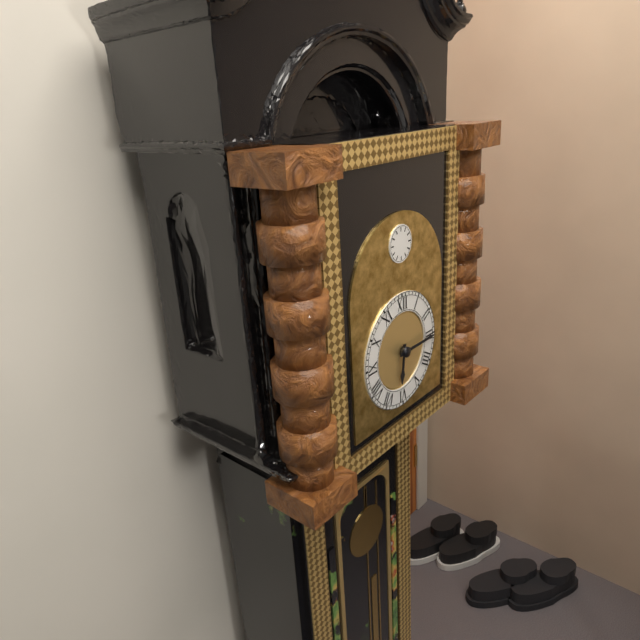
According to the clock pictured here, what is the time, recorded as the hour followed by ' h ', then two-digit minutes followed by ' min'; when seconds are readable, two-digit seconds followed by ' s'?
6 h 15 min
